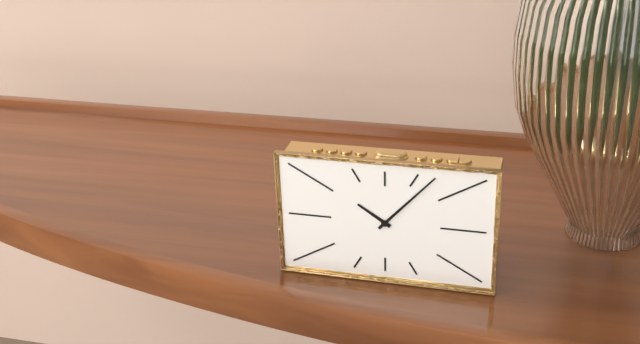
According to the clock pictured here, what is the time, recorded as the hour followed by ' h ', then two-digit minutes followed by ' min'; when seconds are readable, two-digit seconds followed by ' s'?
10 h 07 min
